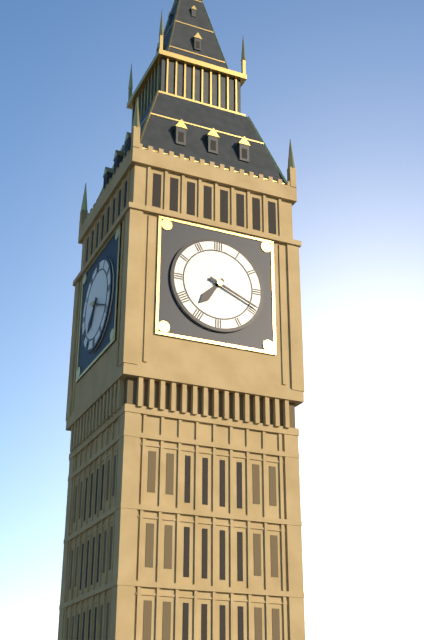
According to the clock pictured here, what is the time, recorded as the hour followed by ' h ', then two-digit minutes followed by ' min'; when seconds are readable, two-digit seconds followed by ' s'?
7 h 19 min
